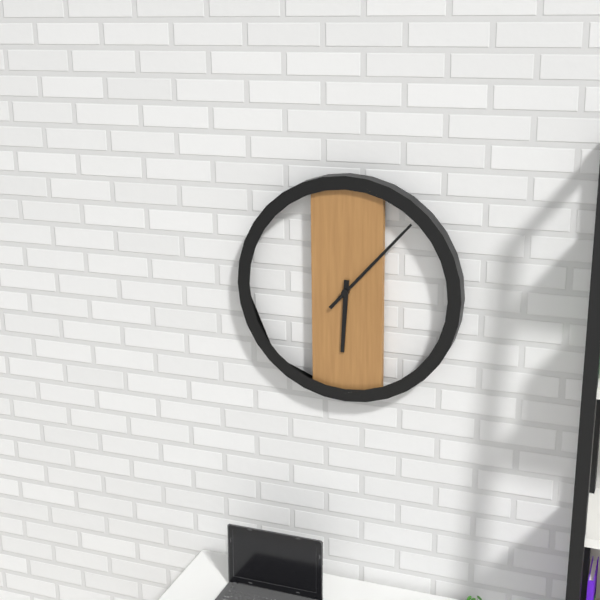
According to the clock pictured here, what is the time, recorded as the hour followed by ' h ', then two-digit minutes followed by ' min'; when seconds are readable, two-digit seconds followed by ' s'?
6 h 07 min
